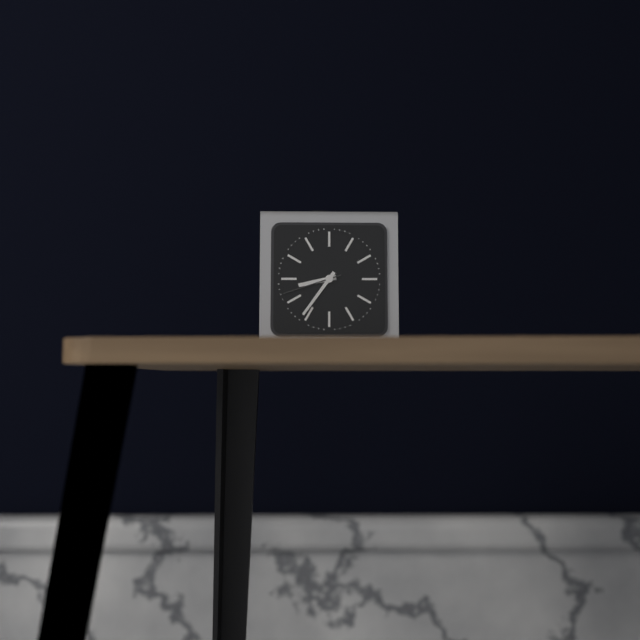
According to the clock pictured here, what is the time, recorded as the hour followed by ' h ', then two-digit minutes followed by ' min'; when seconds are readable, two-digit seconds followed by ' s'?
8 h 36 min 42 s
